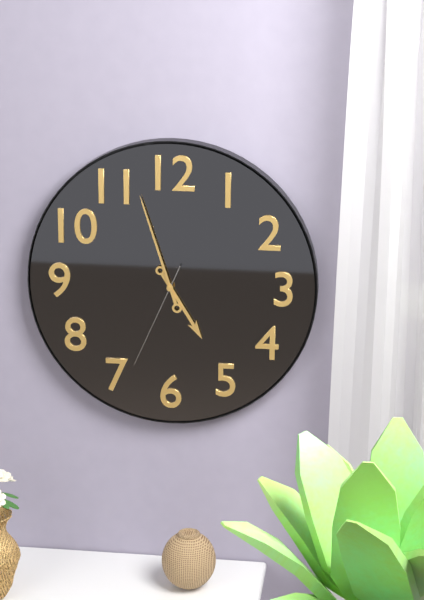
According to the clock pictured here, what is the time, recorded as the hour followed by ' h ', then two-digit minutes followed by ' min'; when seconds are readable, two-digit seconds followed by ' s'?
4 h 57 min 34 s
